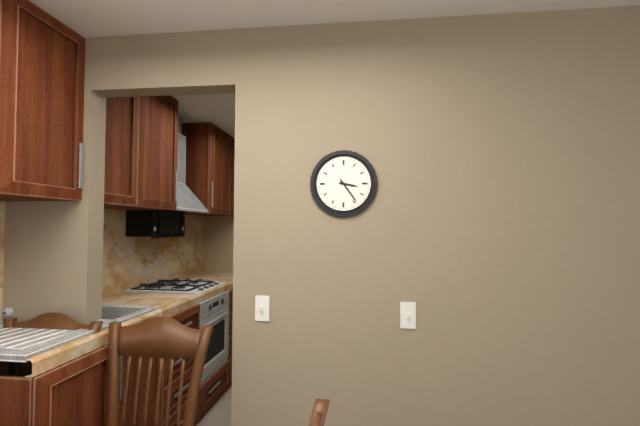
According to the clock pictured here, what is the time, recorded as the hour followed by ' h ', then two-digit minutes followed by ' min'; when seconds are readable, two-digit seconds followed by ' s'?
3 h 24 min
